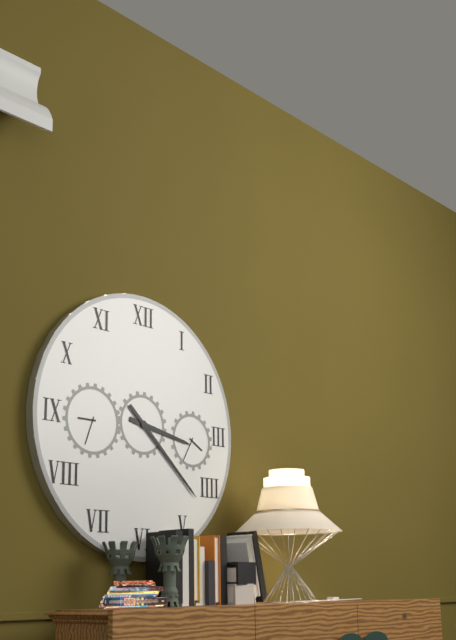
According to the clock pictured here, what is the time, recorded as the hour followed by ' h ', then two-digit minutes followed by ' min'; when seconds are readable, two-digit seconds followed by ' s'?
3 h 22 min
